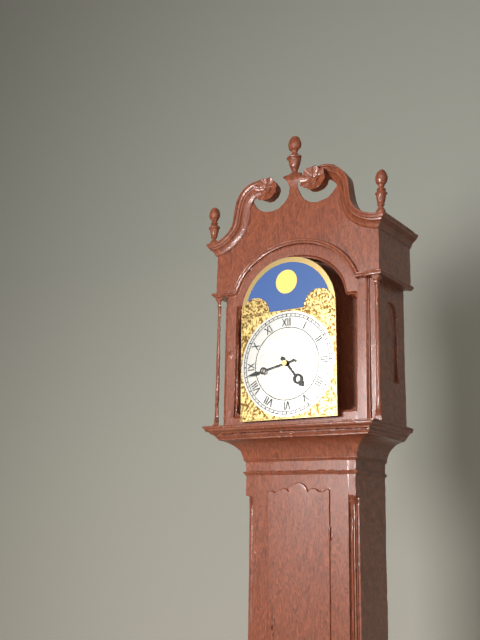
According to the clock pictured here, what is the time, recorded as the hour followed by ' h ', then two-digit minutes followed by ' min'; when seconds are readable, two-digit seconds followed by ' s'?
4 h 43 min
